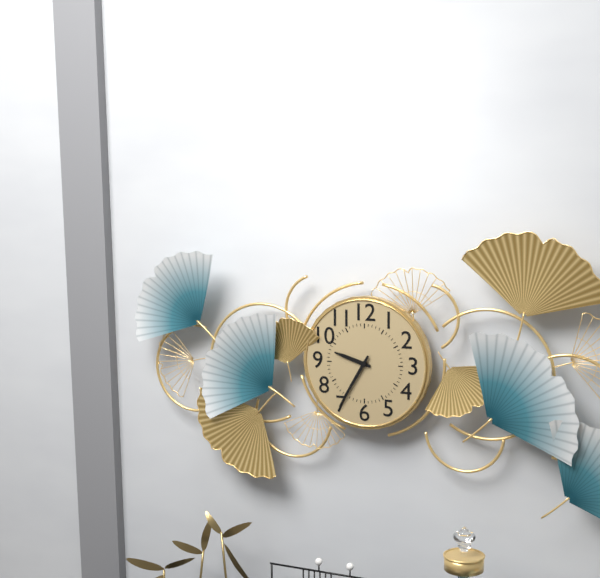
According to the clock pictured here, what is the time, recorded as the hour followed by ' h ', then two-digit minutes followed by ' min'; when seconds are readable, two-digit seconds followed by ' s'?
9 h 35 min
